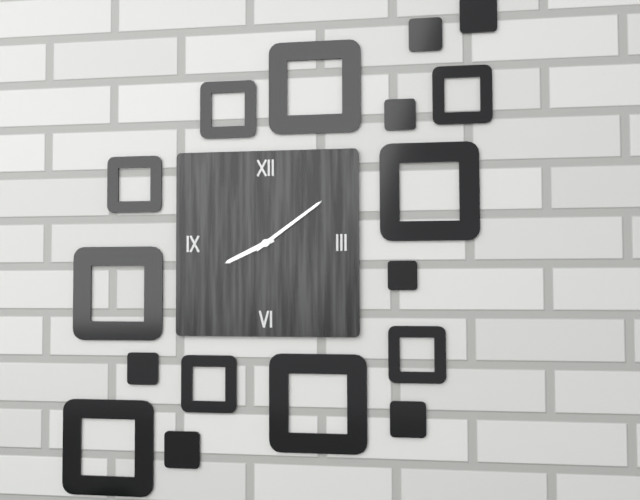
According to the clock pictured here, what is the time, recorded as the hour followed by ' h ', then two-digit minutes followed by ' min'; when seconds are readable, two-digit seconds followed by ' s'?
8 h 09 min
